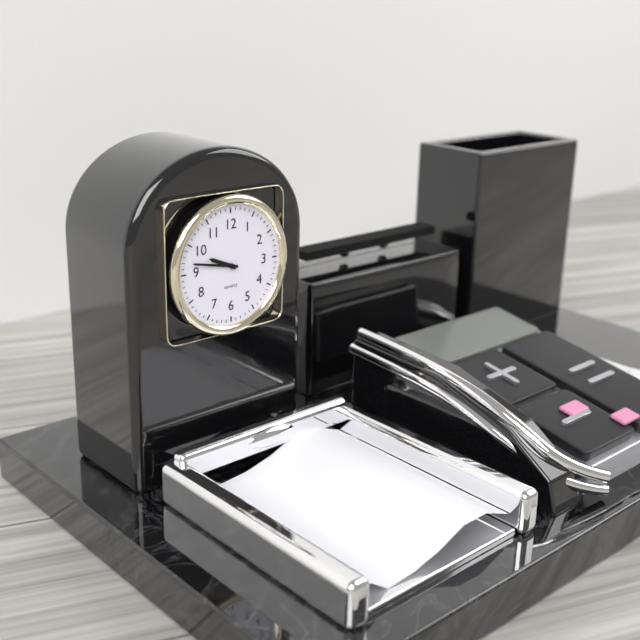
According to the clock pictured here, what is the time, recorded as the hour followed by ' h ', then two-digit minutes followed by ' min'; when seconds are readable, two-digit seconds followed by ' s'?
9 h 47 min
